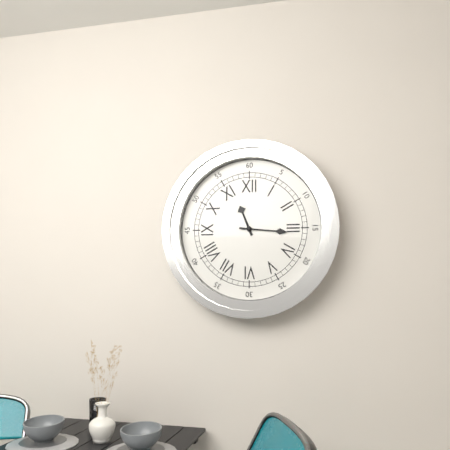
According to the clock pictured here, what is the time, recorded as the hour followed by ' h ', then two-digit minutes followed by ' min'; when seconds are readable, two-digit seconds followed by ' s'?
11 h 16 min
